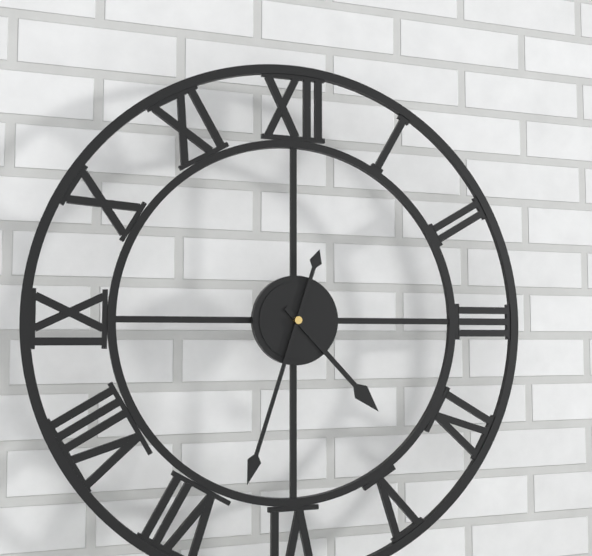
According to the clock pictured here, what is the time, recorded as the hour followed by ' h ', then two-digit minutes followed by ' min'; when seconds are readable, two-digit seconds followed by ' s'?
4 h 33 min
